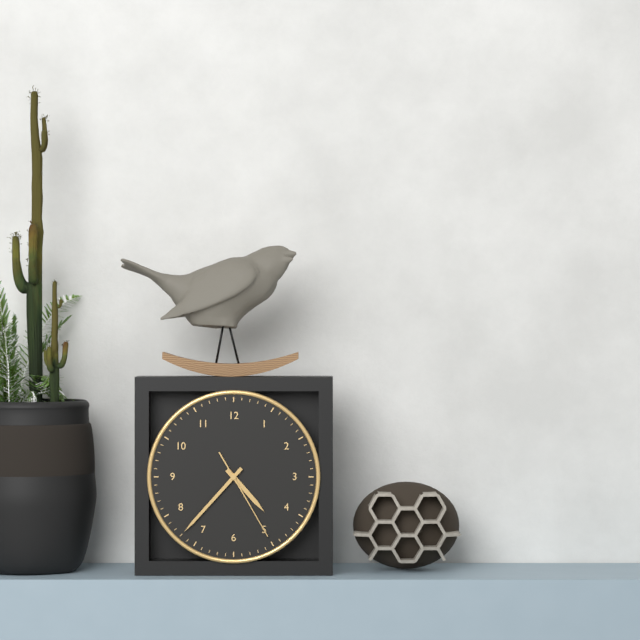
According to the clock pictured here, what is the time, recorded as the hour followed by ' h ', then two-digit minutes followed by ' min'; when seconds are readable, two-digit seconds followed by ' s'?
4 h 37 min 25 s
